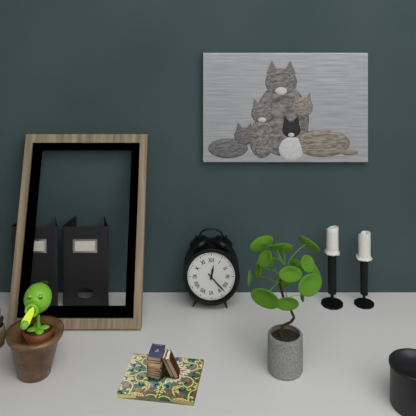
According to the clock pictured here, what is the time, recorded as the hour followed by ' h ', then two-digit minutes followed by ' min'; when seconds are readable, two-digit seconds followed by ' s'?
12 h 23 min
